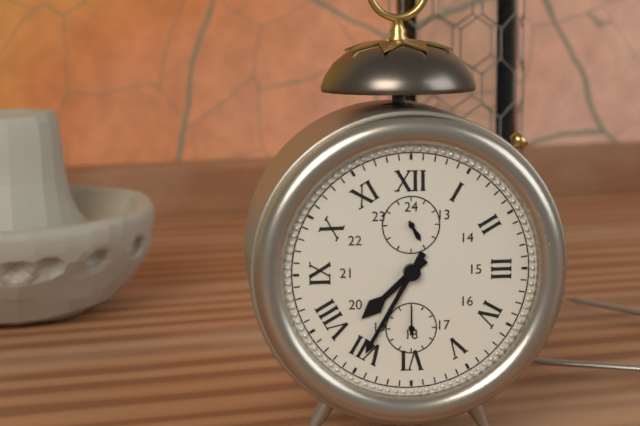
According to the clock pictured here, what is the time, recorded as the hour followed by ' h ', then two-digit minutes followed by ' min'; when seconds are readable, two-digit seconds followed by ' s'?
7 h 35 min
